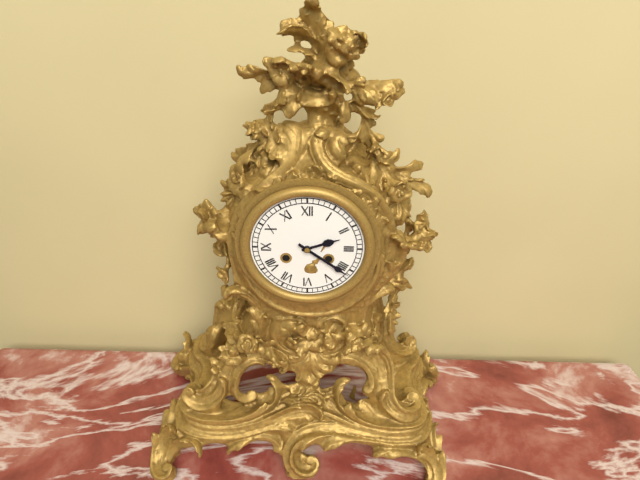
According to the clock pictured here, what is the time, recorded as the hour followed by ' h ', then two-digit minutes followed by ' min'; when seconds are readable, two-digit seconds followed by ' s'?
2 h 21 min
